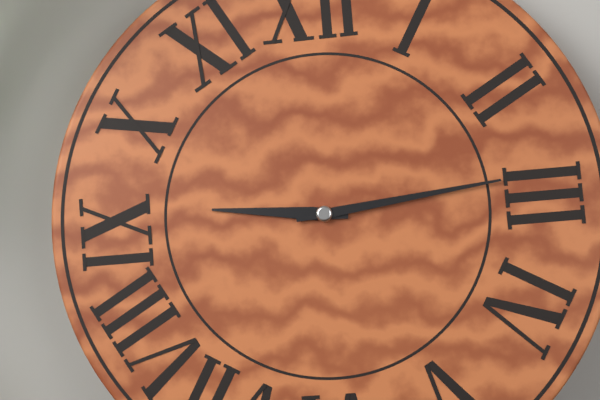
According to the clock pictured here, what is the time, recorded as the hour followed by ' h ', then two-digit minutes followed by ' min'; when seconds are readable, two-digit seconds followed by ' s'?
9 h 14 min
